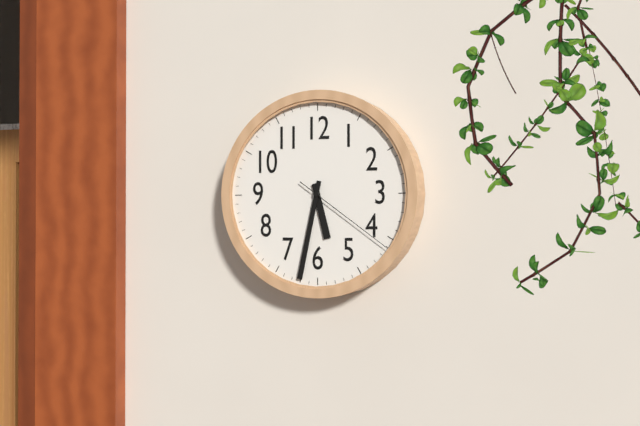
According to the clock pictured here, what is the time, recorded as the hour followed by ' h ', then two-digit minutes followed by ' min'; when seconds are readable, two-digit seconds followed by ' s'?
5 h 32 min 21 s
